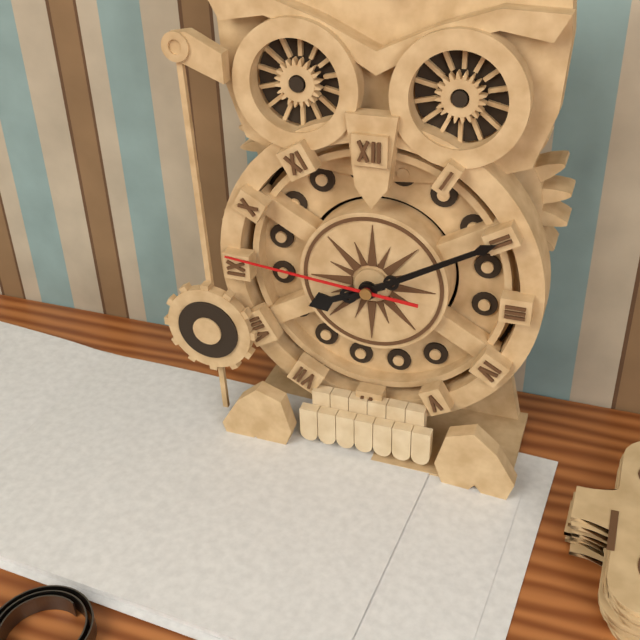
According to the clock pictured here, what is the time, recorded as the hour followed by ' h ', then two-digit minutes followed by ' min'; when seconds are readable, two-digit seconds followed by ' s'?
8 h 10 min 46 s
